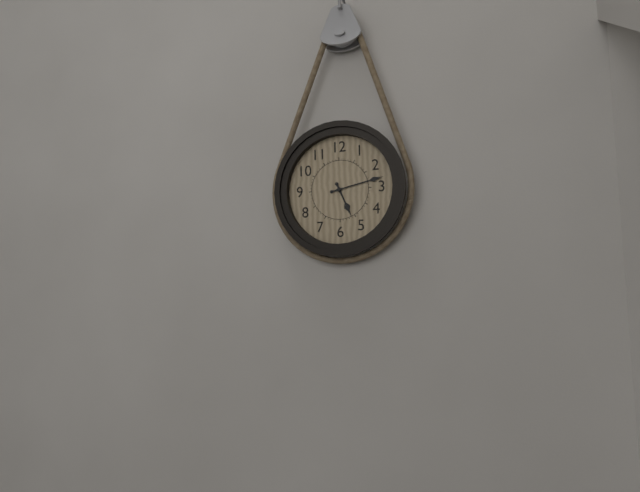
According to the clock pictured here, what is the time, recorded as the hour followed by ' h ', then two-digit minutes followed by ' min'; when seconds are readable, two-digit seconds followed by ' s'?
5 h 13 min
